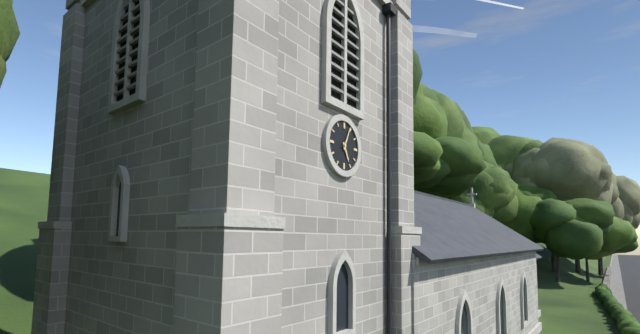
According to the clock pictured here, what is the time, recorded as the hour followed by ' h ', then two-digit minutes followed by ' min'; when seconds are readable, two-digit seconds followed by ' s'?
5 h 04 min
